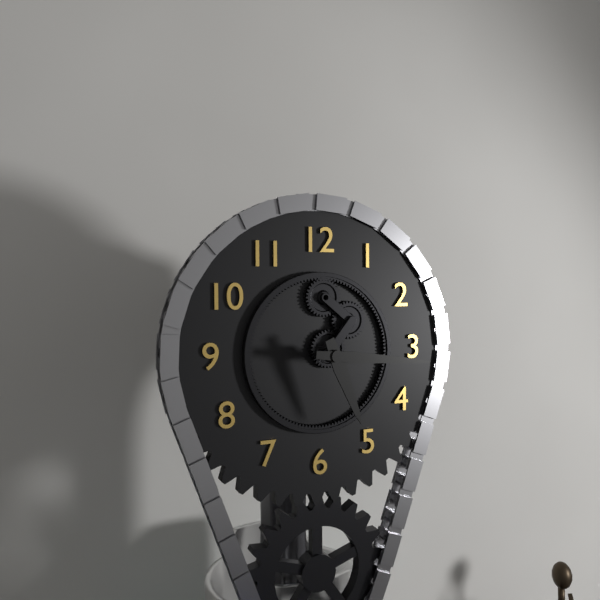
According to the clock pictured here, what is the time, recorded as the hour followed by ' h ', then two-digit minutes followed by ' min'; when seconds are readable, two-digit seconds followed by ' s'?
5 h 16 min
